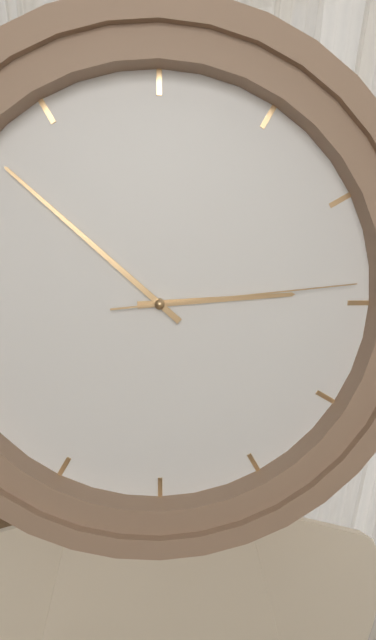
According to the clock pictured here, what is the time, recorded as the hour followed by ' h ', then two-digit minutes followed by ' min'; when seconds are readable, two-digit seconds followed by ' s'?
2 h 52 min 14 s
